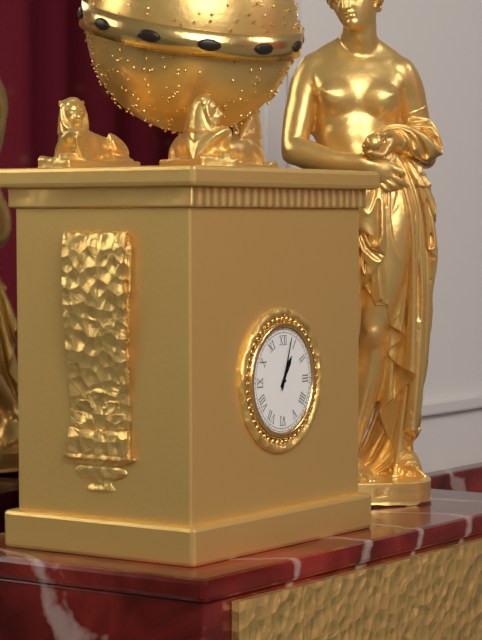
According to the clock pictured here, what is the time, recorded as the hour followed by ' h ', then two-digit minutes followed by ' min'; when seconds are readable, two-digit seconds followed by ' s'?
1 h 03 min
